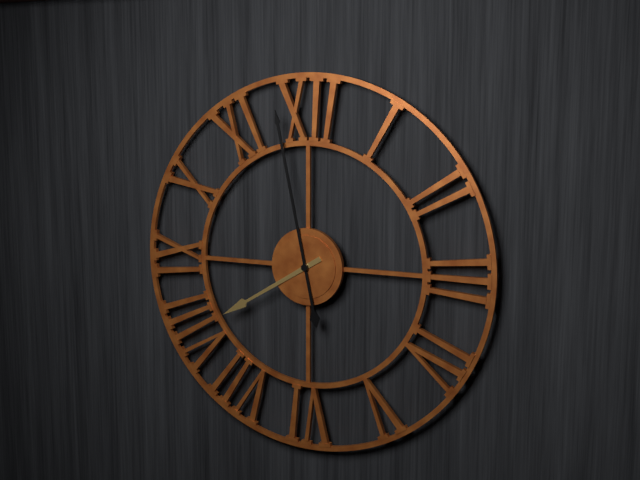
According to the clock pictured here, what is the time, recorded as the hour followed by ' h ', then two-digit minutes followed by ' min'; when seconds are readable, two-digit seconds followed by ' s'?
7 h 58 min
